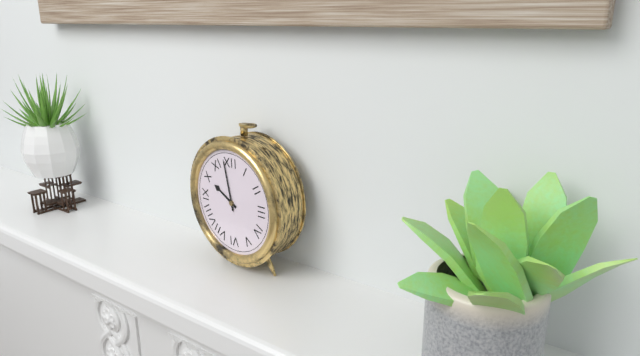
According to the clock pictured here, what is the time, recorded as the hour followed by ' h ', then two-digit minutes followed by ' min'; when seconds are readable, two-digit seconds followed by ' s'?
9 h 58 min
